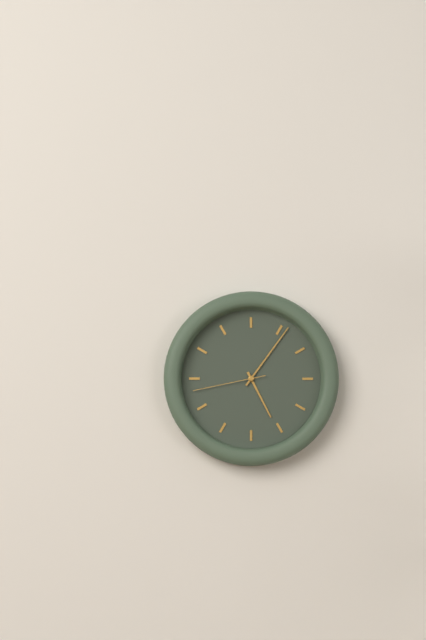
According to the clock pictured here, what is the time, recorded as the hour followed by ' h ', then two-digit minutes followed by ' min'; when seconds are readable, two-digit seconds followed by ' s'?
5 h 06 min 43 s
